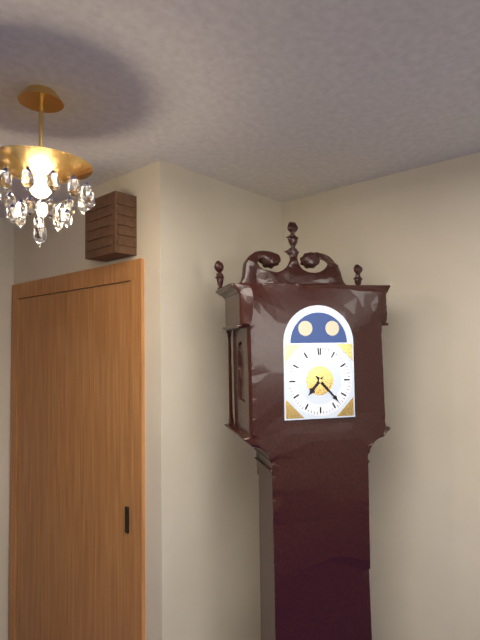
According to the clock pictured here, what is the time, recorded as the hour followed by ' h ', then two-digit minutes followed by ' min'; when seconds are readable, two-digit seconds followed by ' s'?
7 h 23 min
